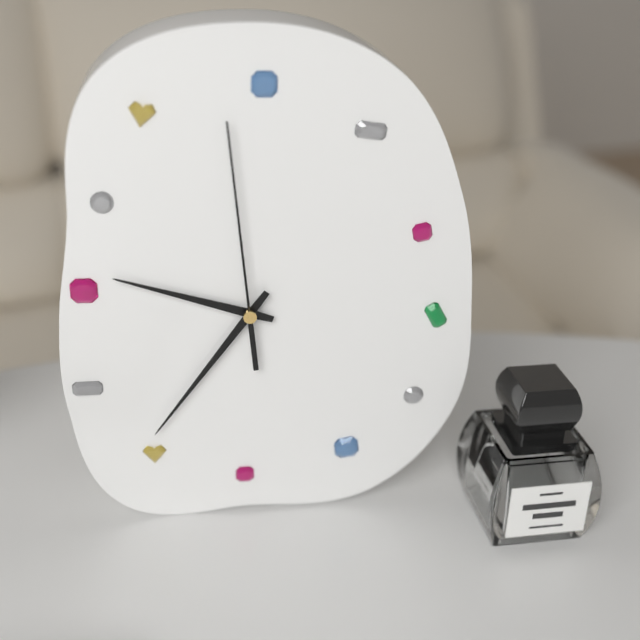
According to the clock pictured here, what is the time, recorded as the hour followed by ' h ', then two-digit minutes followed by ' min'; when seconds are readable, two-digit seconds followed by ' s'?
9 h 36 min 59 s
